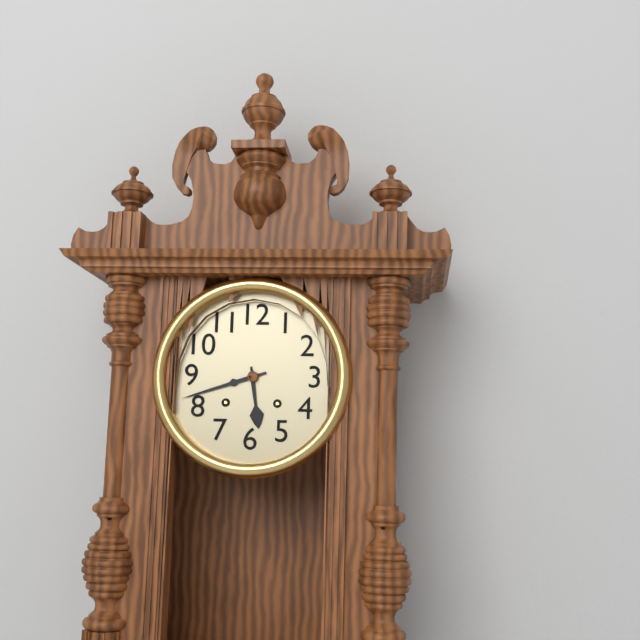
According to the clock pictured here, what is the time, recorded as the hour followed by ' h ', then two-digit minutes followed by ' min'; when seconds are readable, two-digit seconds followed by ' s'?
5 h 42 min
